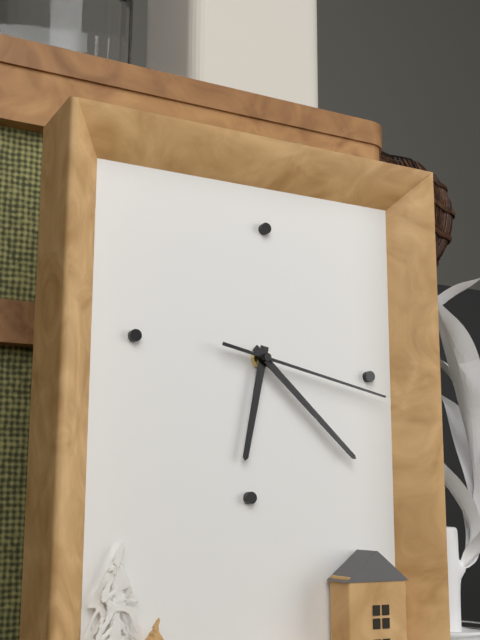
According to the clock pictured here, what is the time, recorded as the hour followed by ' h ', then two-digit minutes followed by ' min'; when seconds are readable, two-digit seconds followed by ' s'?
6 h 22 min 17 s
